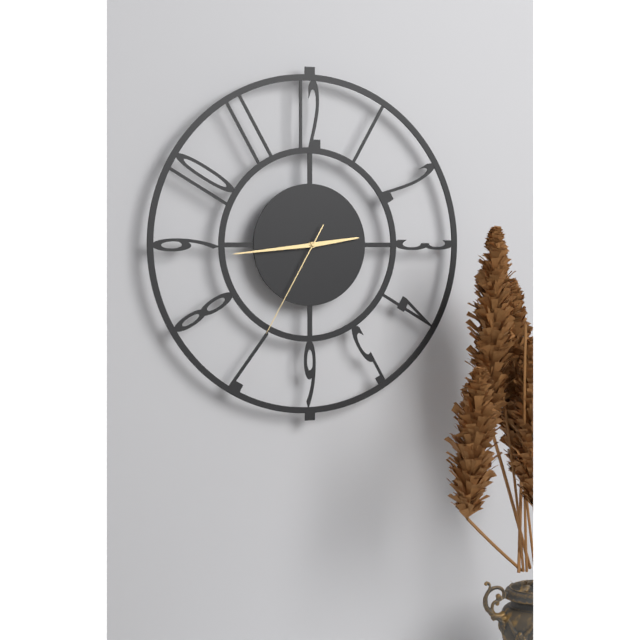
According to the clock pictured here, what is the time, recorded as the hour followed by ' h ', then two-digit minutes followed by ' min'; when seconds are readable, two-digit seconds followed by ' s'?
2 h 44 min 35 s
